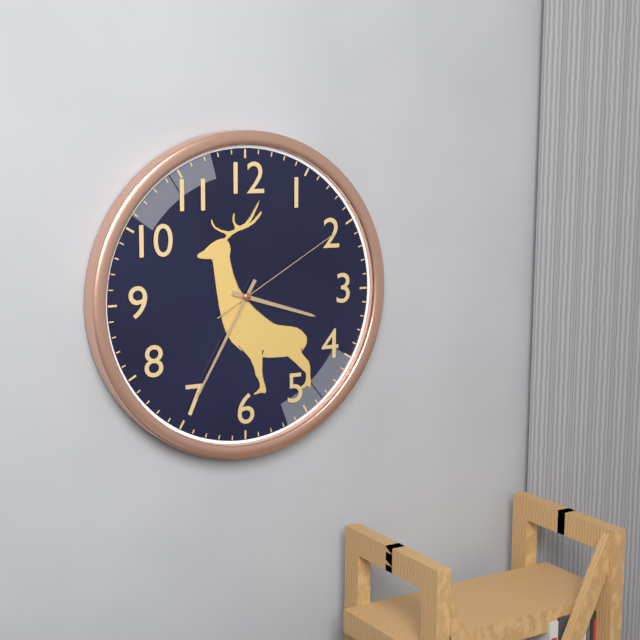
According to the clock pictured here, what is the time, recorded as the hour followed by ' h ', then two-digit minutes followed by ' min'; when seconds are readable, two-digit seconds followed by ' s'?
3 h 35 min 10 s
